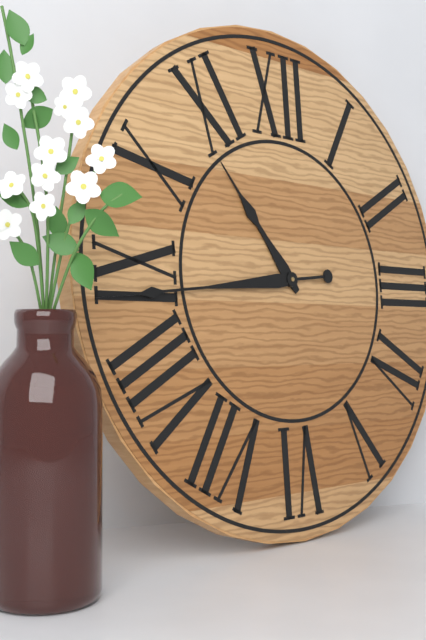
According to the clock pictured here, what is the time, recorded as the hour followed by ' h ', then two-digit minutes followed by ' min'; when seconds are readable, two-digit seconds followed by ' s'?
10 h 44 min
